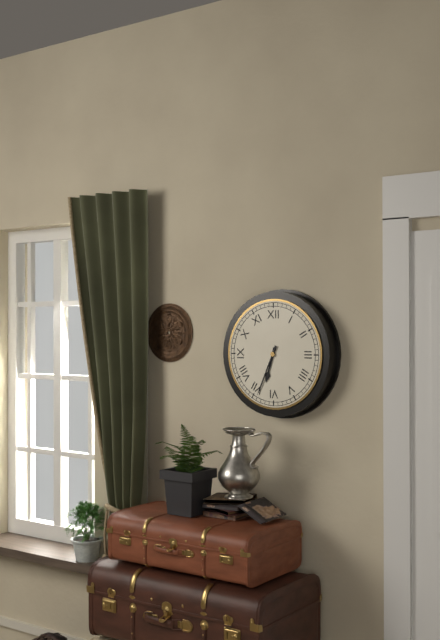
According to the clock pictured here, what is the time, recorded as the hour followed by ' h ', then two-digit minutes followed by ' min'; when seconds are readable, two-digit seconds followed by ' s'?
6 h 34 min
